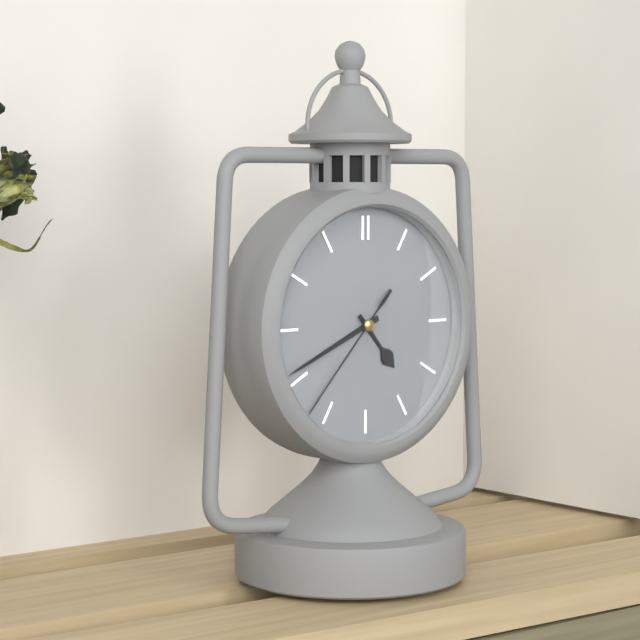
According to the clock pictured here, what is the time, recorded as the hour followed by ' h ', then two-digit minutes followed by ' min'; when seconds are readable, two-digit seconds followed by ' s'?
4 h 41 min 37 s
